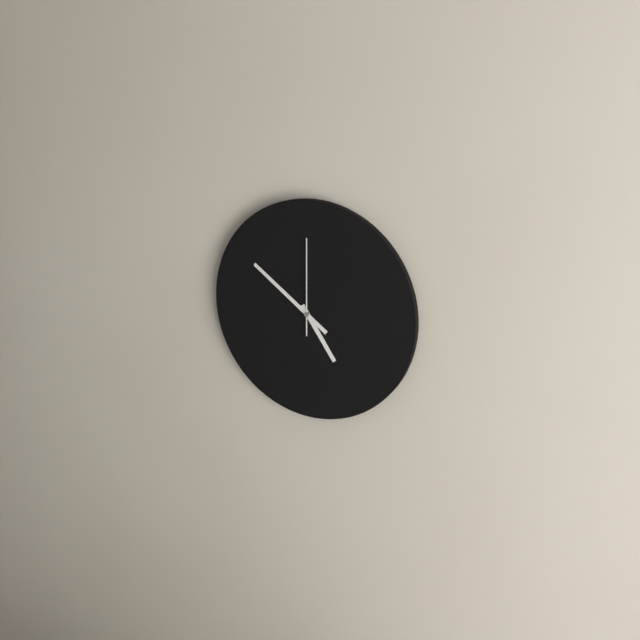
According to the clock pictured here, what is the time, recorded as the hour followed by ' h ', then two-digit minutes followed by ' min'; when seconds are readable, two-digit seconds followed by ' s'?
4 h 51 min 00 s
